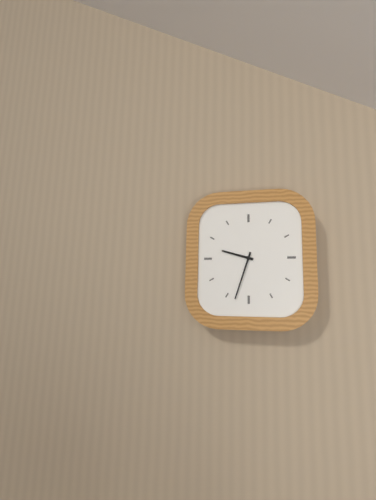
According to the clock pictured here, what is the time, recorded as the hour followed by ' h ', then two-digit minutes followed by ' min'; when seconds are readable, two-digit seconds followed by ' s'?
9 h 33 min
